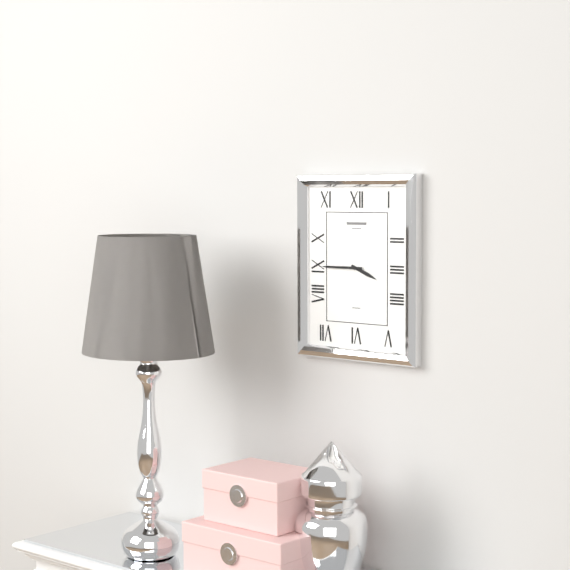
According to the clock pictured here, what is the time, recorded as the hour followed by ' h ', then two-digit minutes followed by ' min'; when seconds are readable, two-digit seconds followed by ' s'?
3 h 45 min
